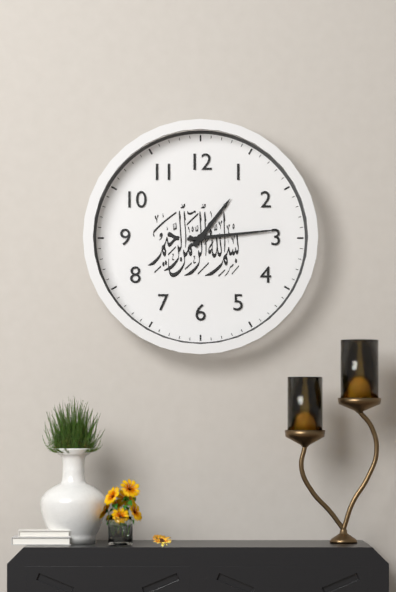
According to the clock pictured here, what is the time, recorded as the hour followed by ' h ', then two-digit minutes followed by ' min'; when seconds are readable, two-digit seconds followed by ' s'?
1 h 14 min
